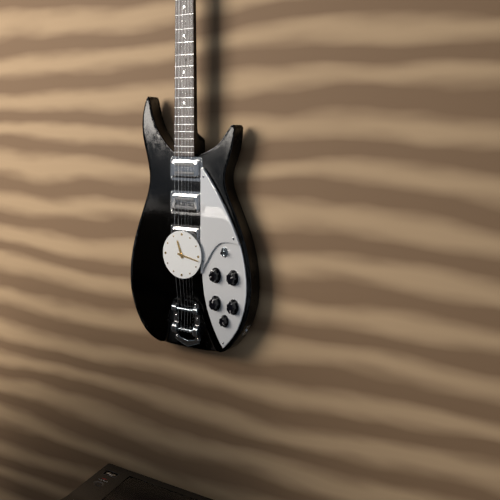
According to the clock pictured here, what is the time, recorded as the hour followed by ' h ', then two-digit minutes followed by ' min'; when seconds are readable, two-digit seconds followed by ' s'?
11 h 17 min
